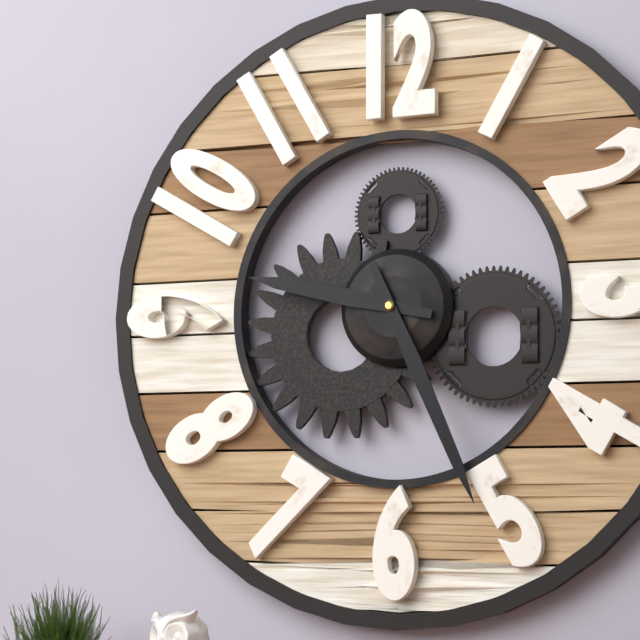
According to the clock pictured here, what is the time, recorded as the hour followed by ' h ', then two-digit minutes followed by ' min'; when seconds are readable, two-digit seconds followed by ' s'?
9 h 26 min
